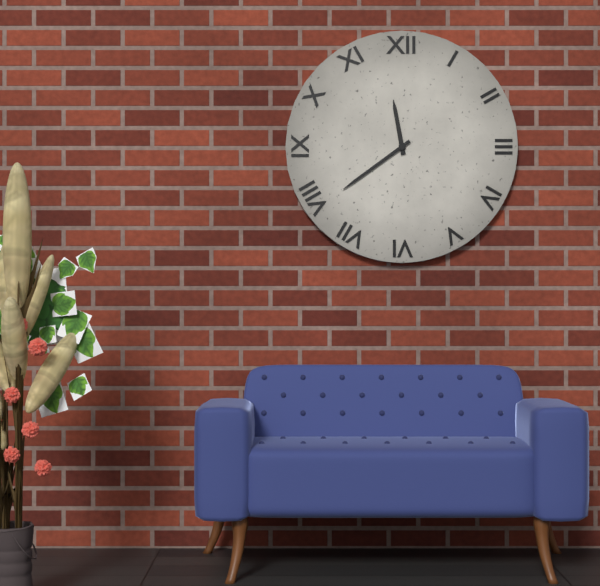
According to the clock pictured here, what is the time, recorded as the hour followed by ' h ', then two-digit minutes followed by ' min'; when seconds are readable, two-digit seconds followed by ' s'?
11 h 39 min
